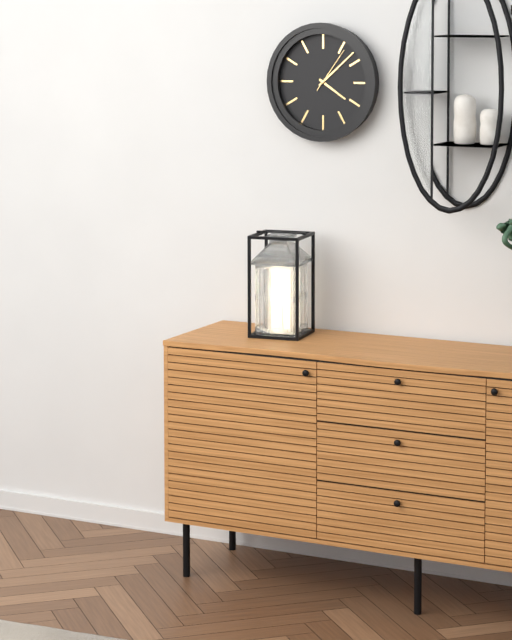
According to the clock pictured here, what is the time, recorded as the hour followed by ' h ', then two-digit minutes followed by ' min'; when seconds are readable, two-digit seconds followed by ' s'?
4 h 08 min
